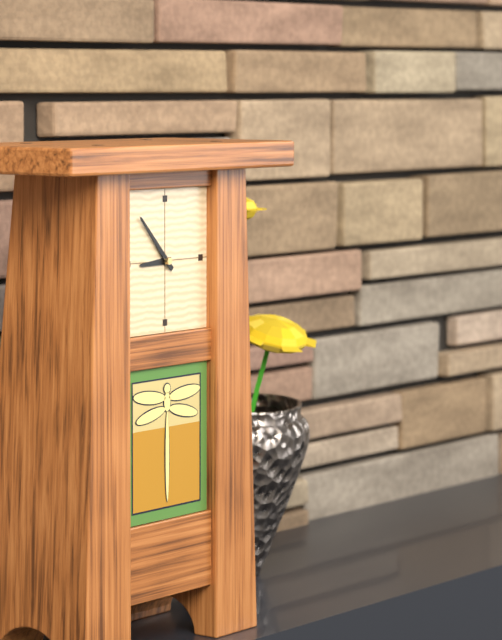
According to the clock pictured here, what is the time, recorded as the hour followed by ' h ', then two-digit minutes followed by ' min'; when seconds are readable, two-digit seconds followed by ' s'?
8 h 53 min
